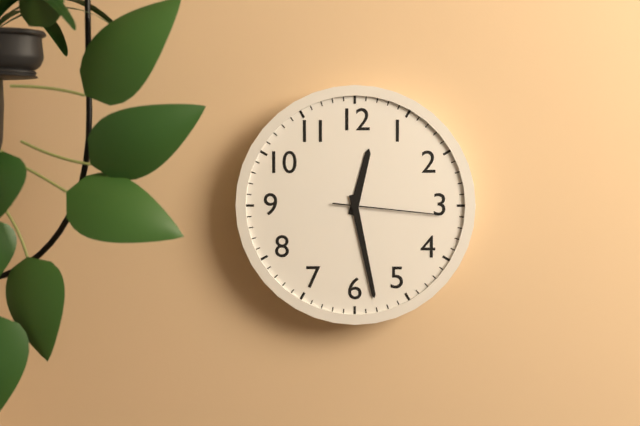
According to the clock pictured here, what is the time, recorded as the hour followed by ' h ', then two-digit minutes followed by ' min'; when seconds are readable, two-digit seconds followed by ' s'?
12 h 28 min 16 s
